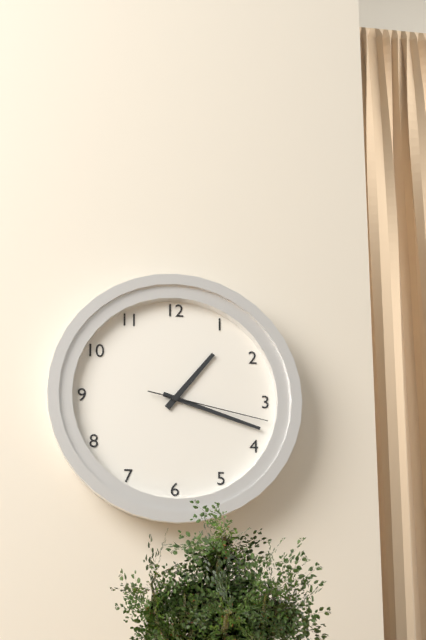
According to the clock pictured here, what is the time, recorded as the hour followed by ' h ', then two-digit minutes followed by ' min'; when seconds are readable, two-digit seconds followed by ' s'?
1 h 18 min 17 s
